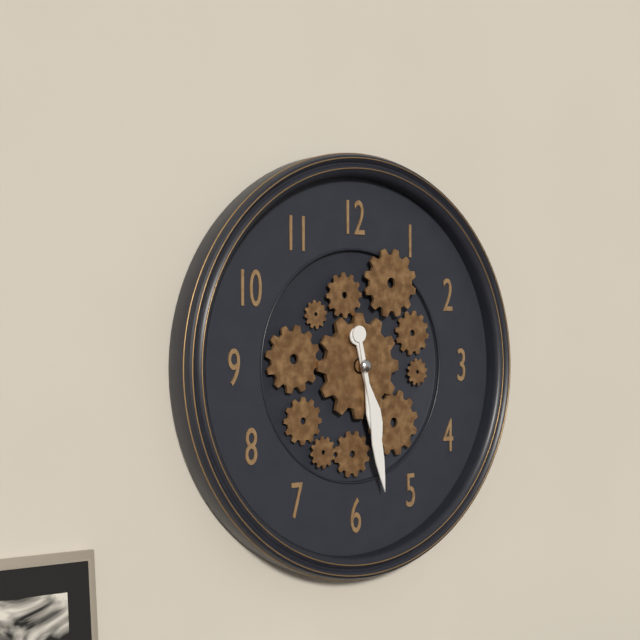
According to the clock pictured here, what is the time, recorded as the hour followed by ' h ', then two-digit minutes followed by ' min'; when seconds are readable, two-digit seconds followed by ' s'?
5 h 28 min
